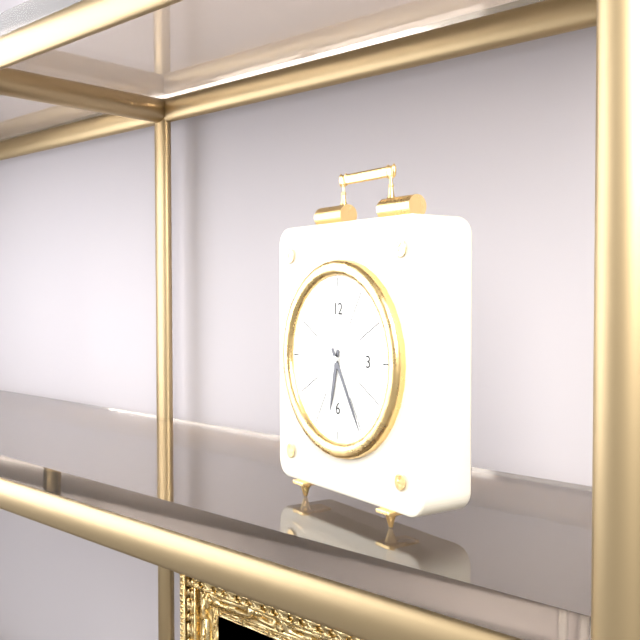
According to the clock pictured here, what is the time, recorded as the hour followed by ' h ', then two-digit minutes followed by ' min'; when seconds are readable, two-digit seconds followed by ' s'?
6 h 25 min
